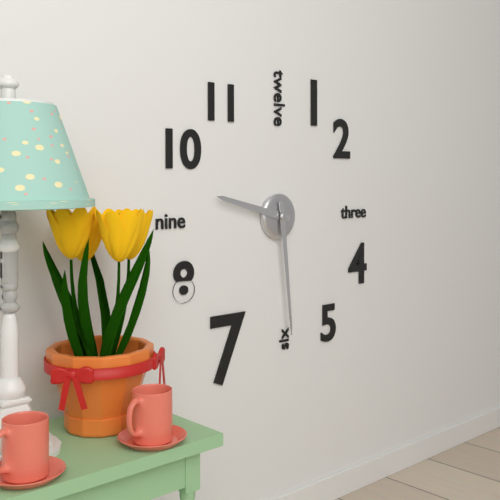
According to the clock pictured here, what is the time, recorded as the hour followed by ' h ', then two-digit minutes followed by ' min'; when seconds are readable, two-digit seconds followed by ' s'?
9 h 29 min
